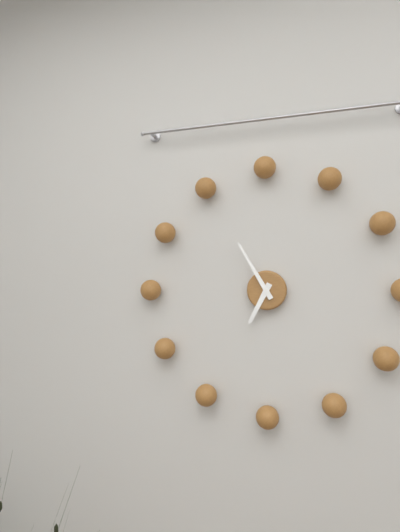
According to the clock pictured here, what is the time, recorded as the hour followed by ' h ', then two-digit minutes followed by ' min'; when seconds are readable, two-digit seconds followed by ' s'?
6 h 55 min
